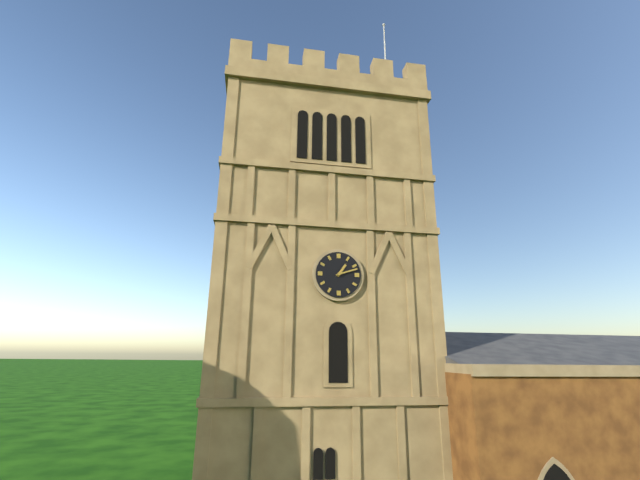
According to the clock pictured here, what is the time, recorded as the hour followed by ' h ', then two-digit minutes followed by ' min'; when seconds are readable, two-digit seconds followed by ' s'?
1 h 12 min
